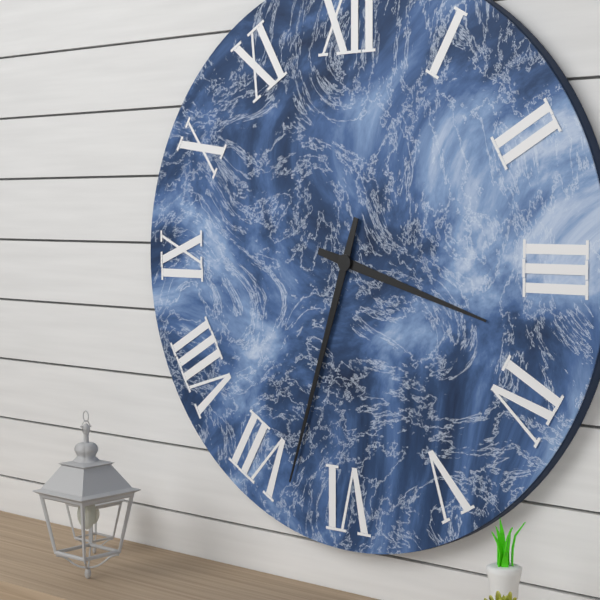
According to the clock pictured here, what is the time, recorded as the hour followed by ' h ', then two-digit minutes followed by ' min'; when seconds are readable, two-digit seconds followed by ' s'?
3 h 33 min
